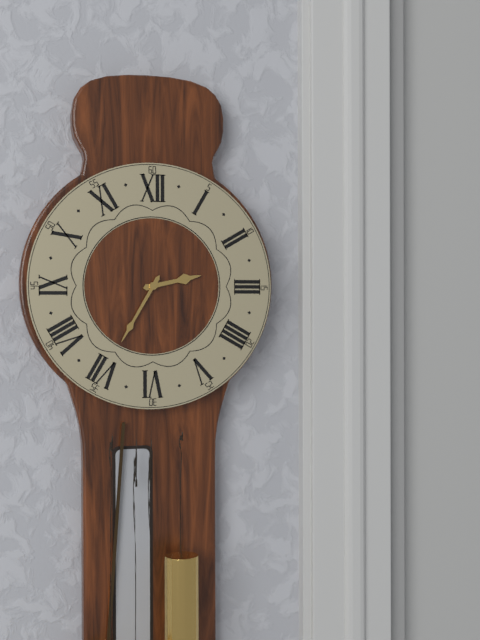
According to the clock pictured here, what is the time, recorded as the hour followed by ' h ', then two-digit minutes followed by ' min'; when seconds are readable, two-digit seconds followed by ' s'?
2 h 35 min
